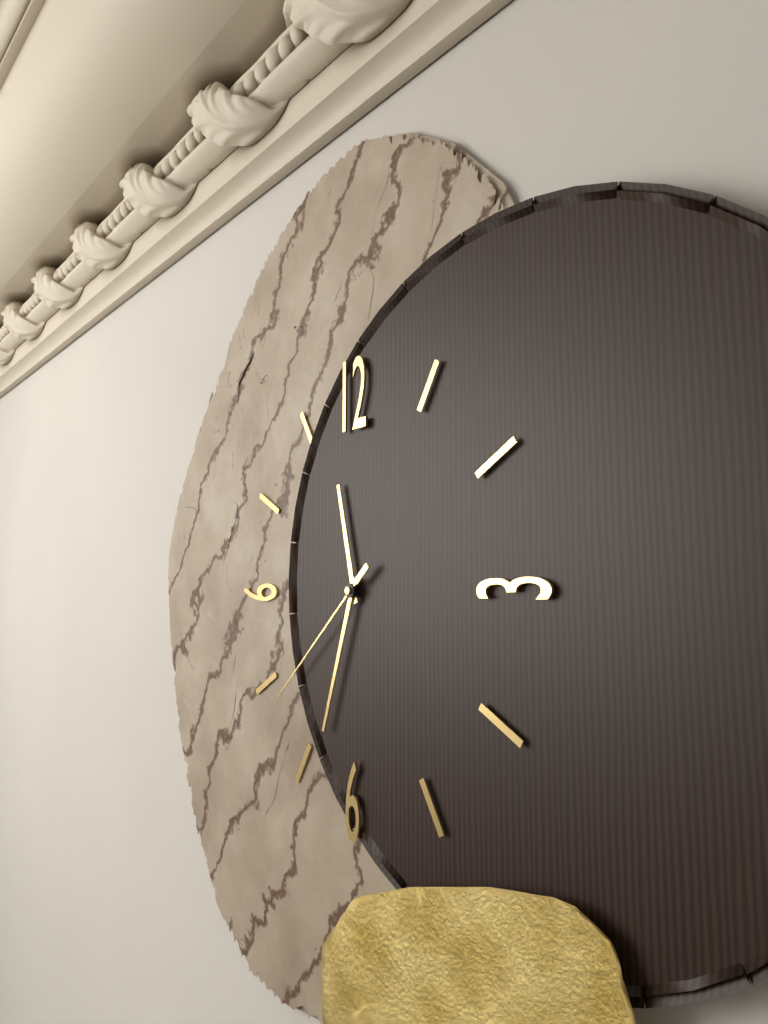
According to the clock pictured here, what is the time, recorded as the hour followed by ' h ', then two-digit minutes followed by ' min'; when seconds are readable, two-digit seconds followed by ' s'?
11 h 33 min 38 s
